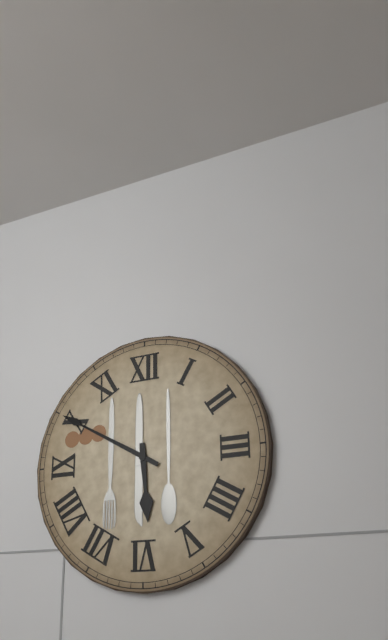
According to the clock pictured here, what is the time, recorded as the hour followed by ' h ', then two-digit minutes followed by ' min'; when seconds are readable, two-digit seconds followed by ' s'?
5 h 50 min
